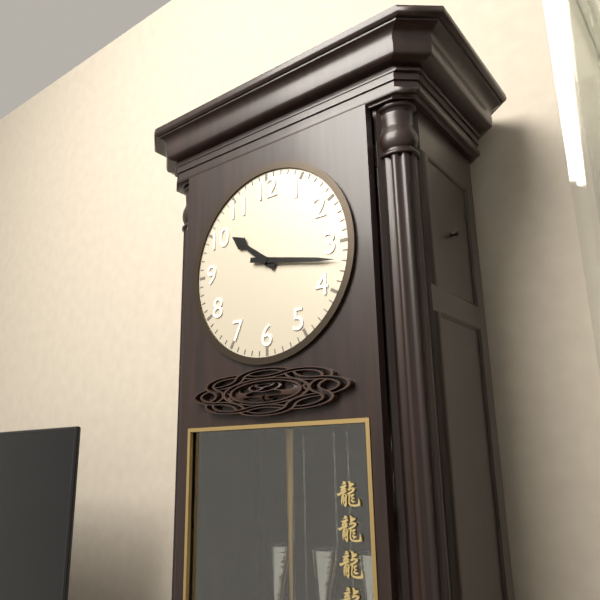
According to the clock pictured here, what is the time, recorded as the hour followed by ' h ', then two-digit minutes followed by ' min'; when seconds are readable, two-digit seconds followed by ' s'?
10 h 17 min
